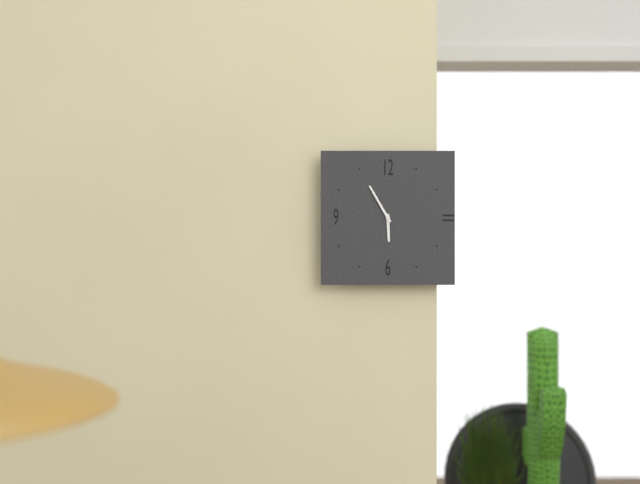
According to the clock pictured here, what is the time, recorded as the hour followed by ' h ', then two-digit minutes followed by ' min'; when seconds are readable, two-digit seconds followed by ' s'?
5 h 55 min
